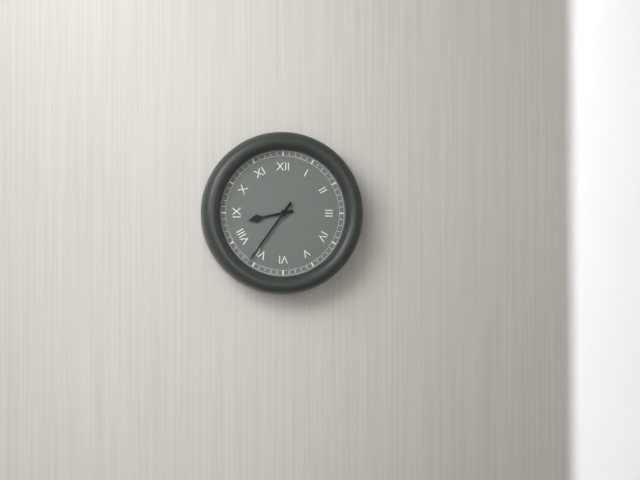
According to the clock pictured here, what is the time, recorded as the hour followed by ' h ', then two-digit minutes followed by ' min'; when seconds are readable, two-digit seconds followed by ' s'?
8 h 36 min
